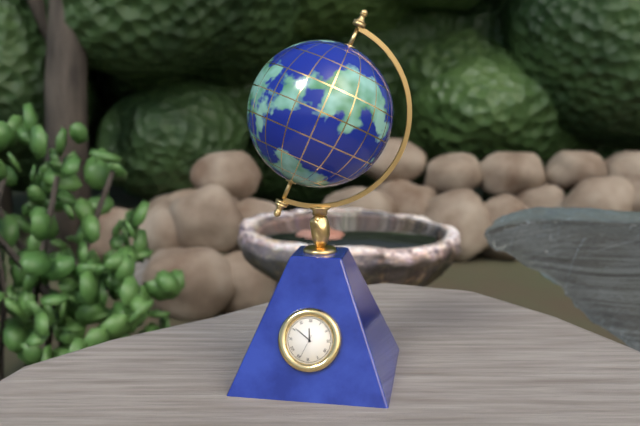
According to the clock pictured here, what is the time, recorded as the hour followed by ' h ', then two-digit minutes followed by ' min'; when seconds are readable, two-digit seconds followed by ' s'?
11 h 51 min
